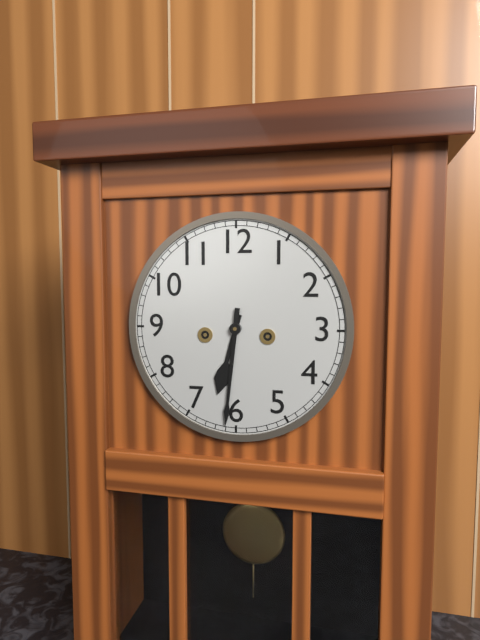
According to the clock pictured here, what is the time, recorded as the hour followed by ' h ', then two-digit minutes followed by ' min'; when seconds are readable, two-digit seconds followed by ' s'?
6 h 31 min
